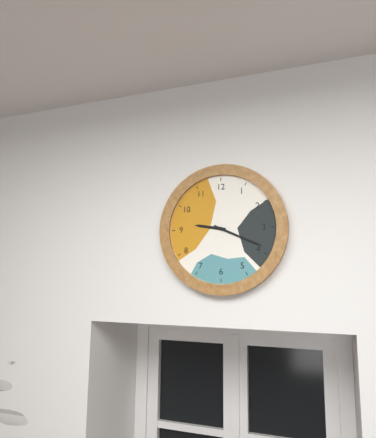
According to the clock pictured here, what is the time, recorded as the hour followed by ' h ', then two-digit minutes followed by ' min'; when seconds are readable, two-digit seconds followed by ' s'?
9 h 19 min
